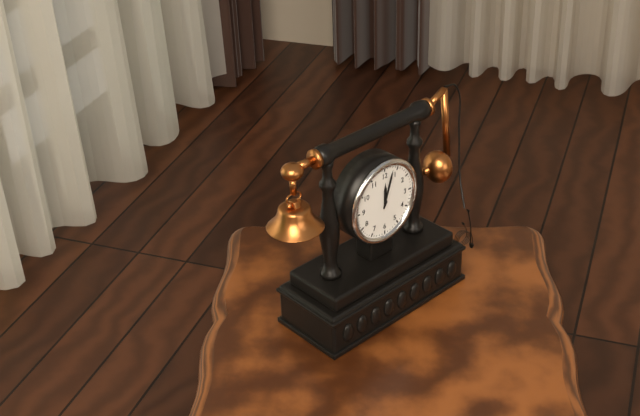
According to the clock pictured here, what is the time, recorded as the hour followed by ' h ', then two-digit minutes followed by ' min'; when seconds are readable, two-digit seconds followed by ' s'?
12 h 03 min
